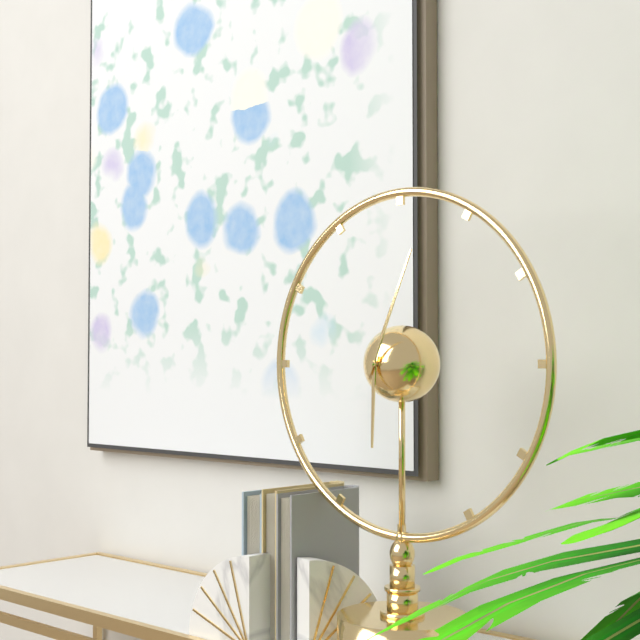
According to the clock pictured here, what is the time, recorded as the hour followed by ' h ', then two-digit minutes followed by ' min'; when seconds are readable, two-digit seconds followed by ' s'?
6 h 04 min
